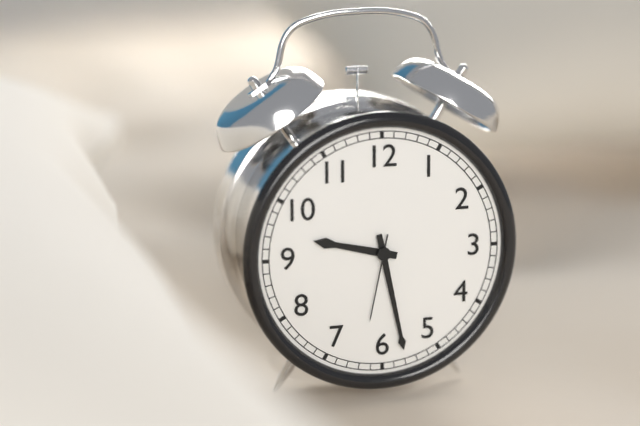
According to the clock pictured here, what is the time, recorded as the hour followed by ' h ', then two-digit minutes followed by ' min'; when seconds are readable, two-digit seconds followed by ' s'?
9 h 28 min 32 s
